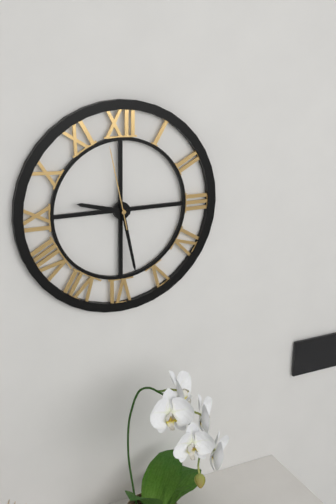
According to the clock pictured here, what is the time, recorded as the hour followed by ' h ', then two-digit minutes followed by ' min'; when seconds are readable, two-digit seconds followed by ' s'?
9 h 28 min 58 s
